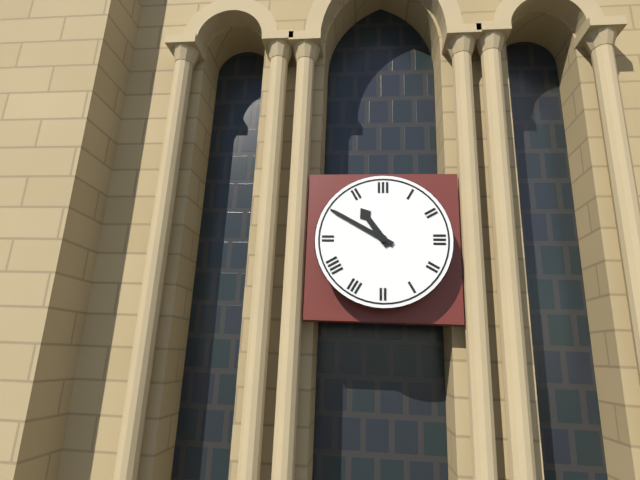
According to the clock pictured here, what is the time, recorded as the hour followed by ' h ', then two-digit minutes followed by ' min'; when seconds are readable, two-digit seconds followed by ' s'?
10 h 50 min
